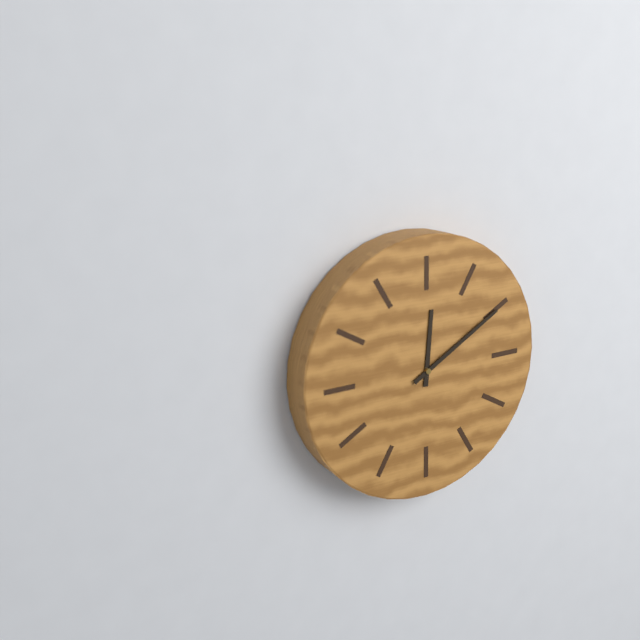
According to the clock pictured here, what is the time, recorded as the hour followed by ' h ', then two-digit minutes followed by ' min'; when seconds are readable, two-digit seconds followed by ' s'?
12 h 10 min
